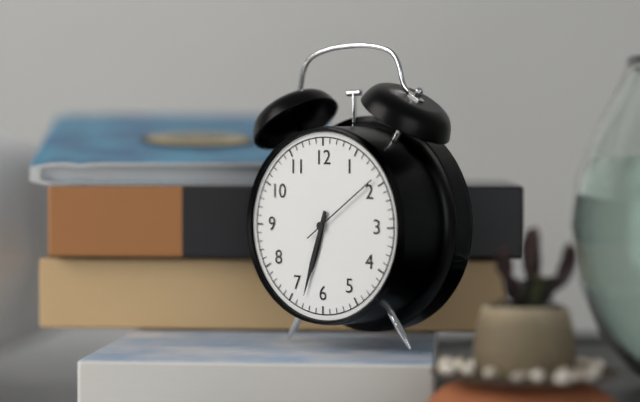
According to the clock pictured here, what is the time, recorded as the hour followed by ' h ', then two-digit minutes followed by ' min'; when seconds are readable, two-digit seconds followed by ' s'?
6 h 33 min 09 s
